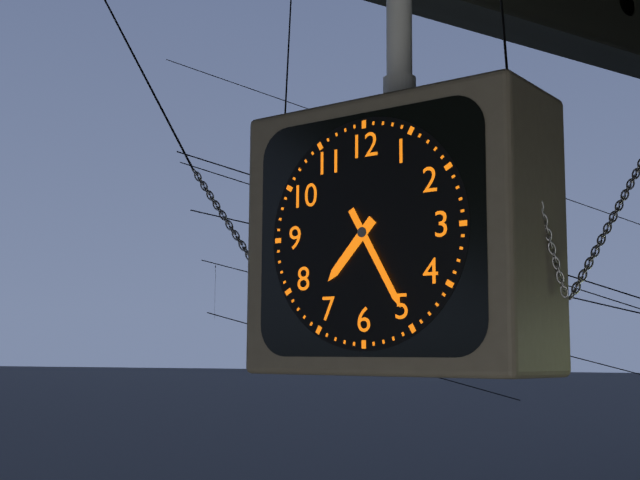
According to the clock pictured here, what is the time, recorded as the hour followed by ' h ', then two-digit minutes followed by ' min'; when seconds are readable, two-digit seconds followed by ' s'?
7 h 25 min
